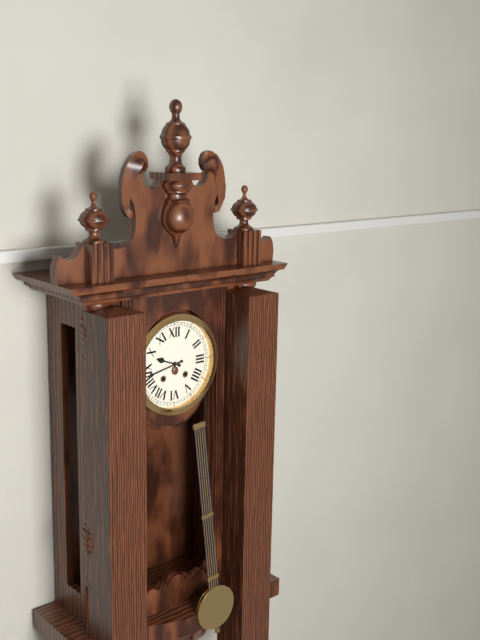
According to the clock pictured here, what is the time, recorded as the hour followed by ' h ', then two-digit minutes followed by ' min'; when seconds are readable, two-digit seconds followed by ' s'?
9 h 43 min
